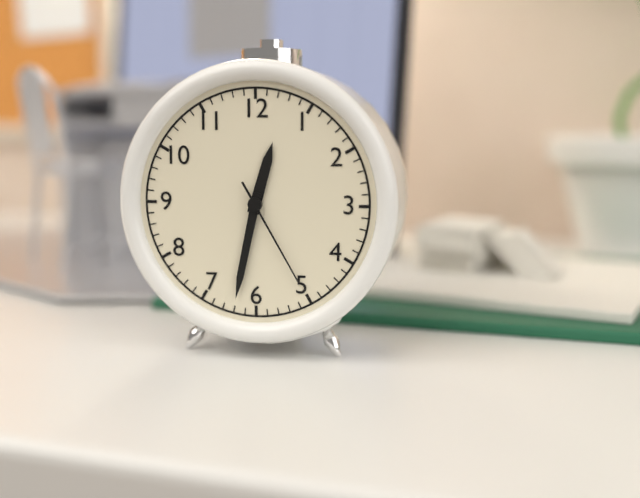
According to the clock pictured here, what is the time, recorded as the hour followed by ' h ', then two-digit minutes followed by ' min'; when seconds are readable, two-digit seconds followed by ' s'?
12 h 32 min 25 s
